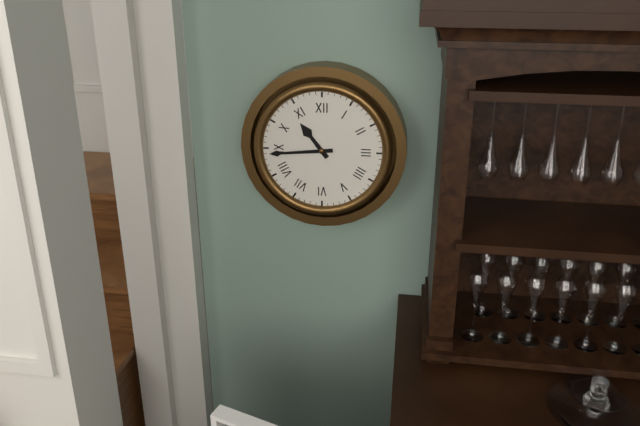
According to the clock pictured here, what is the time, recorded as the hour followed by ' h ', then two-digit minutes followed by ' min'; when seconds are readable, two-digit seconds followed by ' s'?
10 h 44 min
